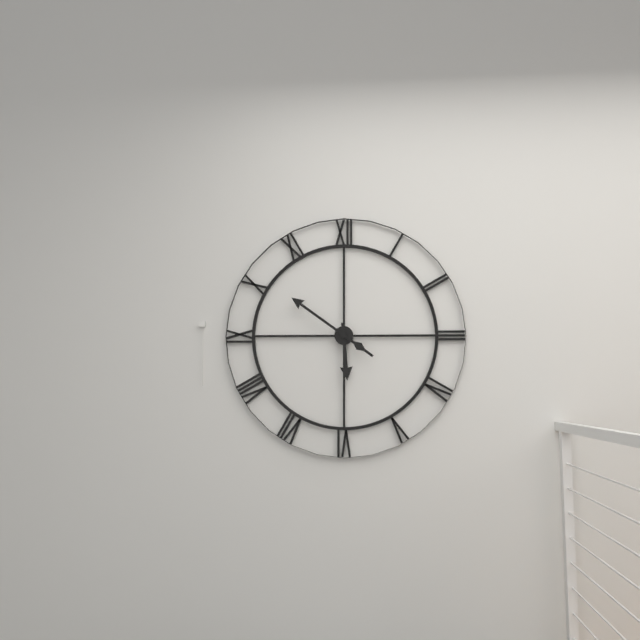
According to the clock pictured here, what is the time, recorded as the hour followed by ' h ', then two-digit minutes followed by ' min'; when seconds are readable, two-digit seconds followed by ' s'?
5 h 51 min
